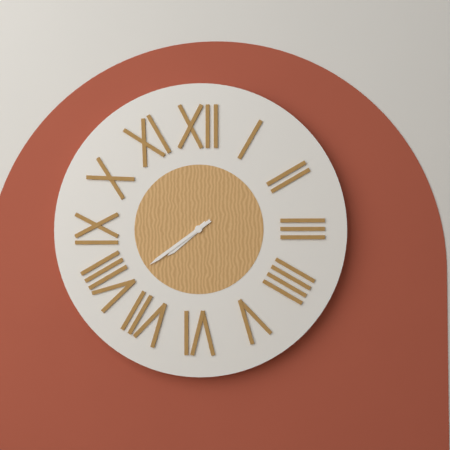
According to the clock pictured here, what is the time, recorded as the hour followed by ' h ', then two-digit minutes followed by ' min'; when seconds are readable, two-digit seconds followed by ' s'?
7 h 39 min
